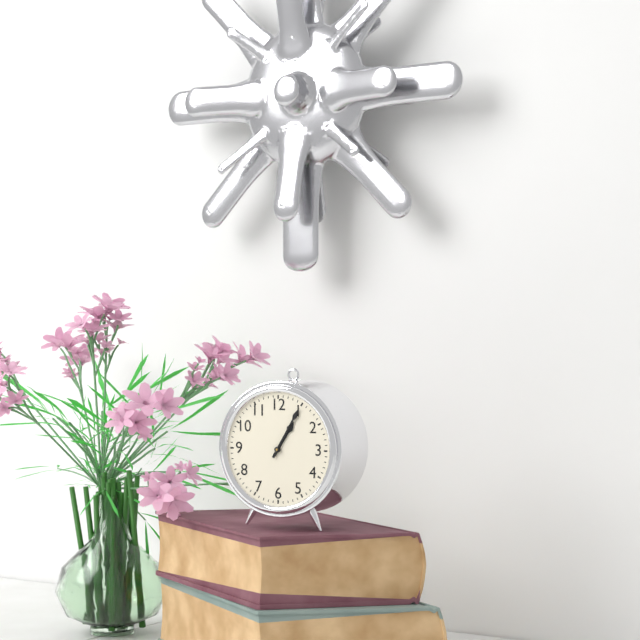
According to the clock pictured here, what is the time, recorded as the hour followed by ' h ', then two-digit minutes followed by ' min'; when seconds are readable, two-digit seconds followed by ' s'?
1 h 05 min
